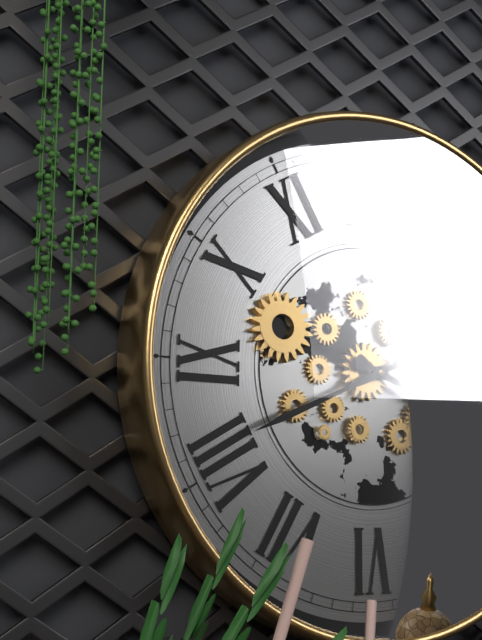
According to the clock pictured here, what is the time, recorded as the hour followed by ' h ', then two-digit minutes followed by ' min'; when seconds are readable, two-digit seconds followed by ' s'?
3 h 41 min
